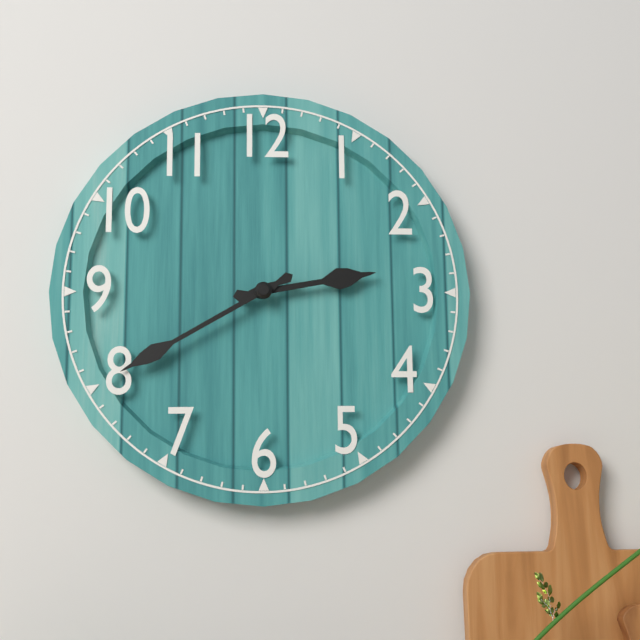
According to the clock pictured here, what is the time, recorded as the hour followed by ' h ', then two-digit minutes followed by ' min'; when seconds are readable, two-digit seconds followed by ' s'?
2 h 40 min
